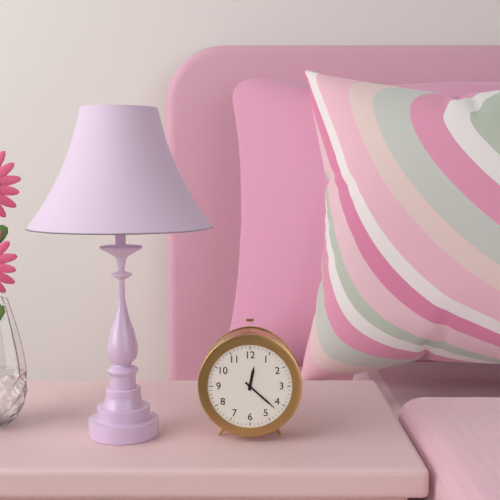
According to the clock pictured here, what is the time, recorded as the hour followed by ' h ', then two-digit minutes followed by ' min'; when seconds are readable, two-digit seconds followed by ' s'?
12 h 22 min
